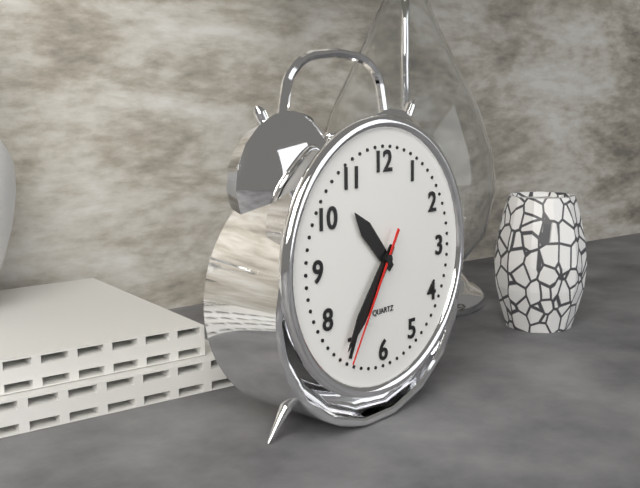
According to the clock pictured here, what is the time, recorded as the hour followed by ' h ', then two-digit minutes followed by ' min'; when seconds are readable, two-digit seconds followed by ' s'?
10 h 36 min 35 s
